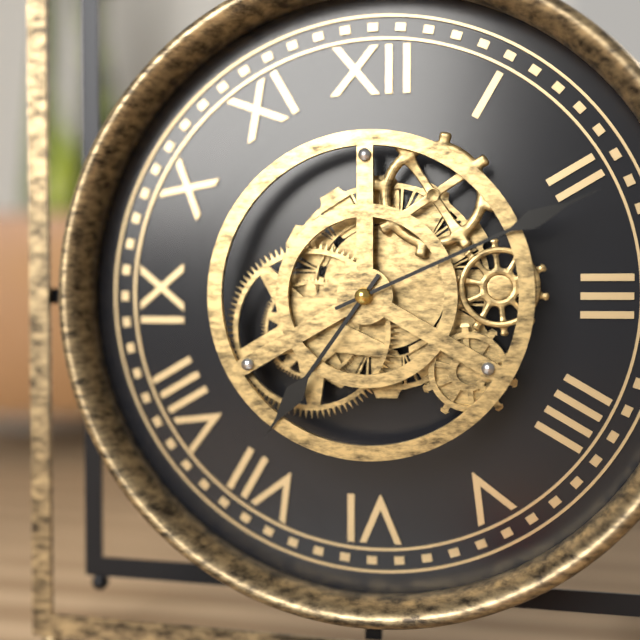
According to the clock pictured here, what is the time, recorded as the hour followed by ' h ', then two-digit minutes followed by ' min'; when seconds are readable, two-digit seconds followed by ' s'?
7 h 11 min
